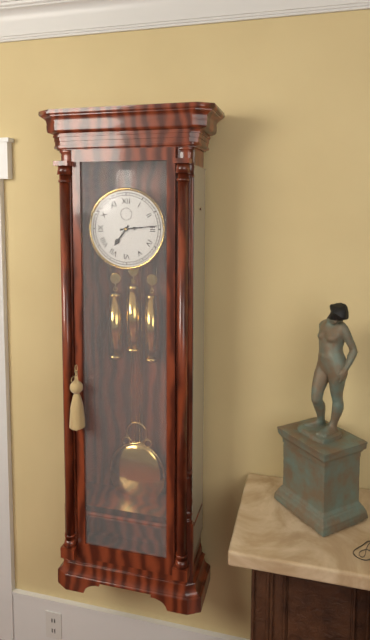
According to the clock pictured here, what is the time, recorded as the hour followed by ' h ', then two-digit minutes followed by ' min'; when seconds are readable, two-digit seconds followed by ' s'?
7 h 14 min
